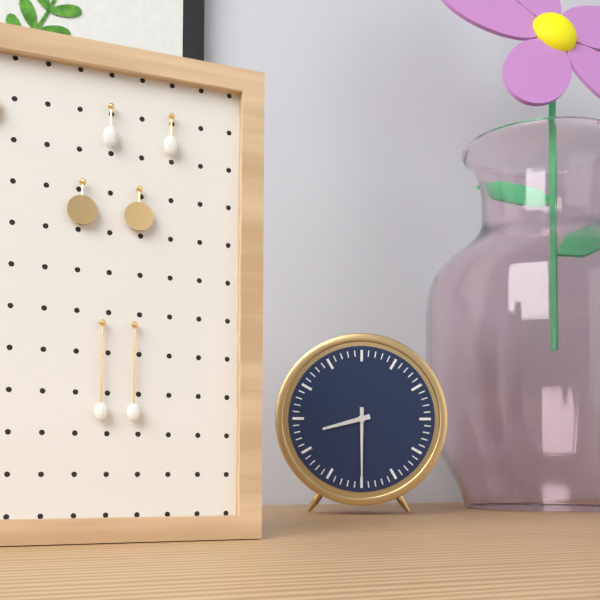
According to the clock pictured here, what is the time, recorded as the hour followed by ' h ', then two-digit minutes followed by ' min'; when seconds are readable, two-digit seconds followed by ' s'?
8 h 30 min
